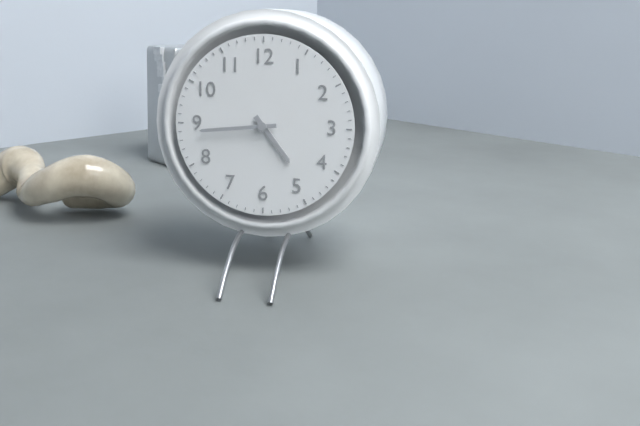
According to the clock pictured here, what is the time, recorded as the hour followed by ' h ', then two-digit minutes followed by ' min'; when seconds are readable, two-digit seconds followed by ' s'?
4 h 44 min
